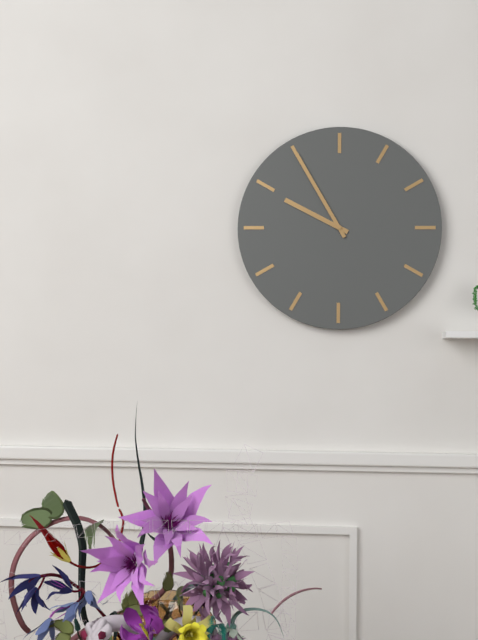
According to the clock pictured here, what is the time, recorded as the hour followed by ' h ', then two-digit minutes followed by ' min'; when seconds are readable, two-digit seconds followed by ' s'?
9 h 55 min
